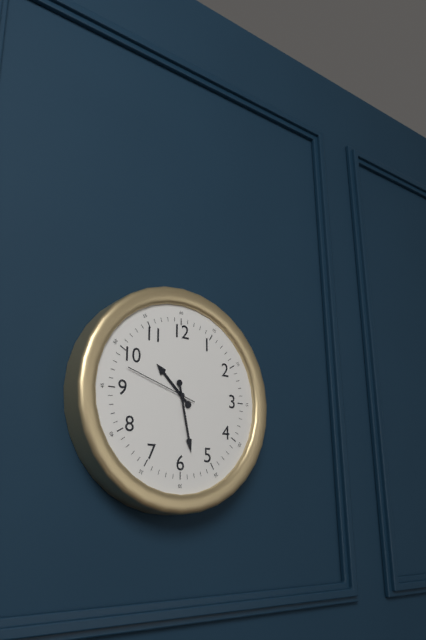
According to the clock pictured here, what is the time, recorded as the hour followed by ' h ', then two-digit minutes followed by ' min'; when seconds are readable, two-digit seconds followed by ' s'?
10 h 28 min 48 s
